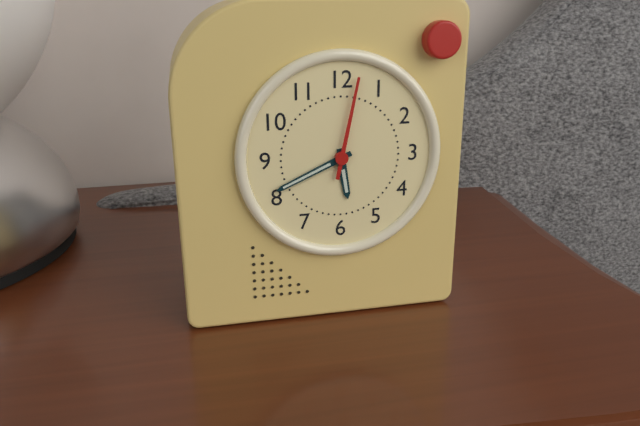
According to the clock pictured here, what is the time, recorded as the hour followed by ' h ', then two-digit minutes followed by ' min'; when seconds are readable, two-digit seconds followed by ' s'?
5 h 41 min 02 s
